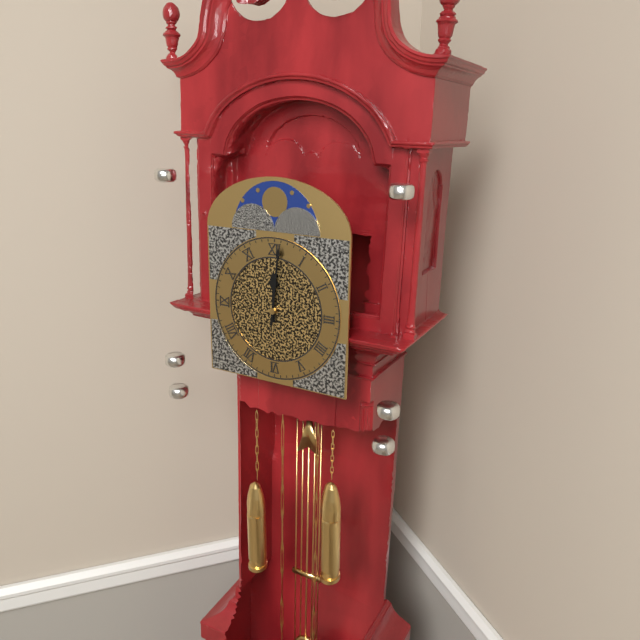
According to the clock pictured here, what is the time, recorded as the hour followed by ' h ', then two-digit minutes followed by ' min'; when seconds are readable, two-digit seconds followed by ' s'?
12 h 01 min
